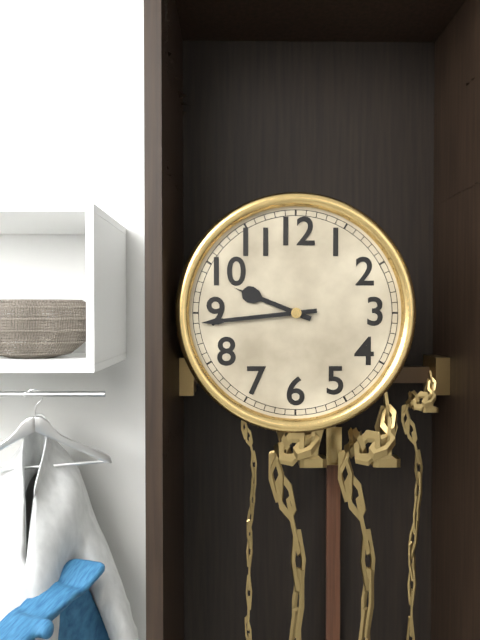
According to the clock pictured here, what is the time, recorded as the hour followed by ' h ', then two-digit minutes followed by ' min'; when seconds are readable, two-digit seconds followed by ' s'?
9 h 44 min
